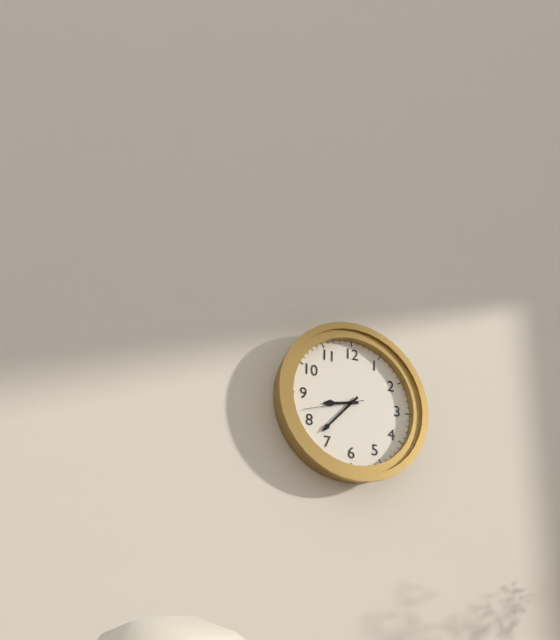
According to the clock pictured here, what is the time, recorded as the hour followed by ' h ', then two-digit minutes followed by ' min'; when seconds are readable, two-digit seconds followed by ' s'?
8 h 37 min 42 s
